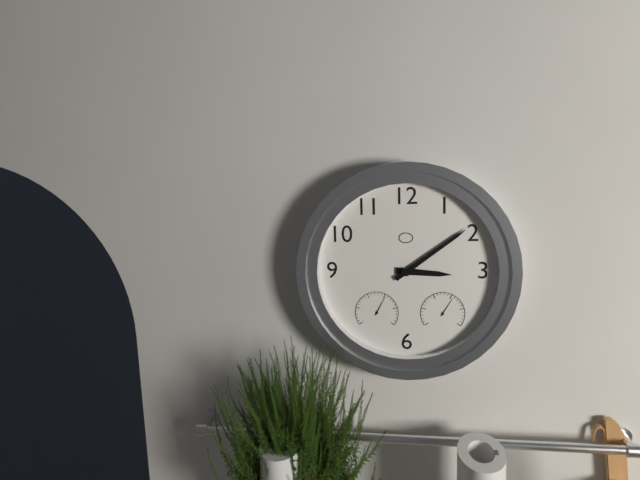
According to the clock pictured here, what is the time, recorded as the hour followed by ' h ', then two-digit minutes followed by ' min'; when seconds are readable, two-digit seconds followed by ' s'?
3 h 09 min
